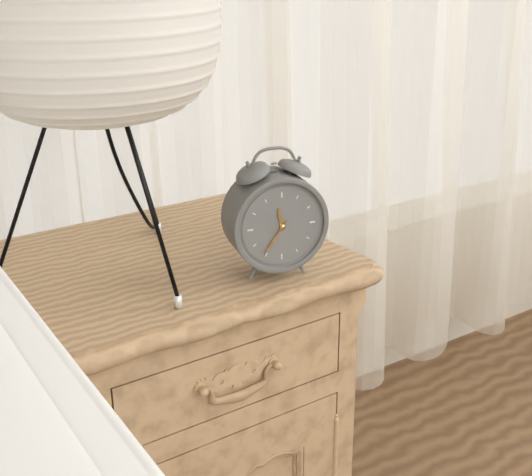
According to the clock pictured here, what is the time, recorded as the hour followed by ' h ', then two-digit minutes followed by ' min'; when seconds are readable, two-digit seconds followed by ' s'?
11 h 36 min
